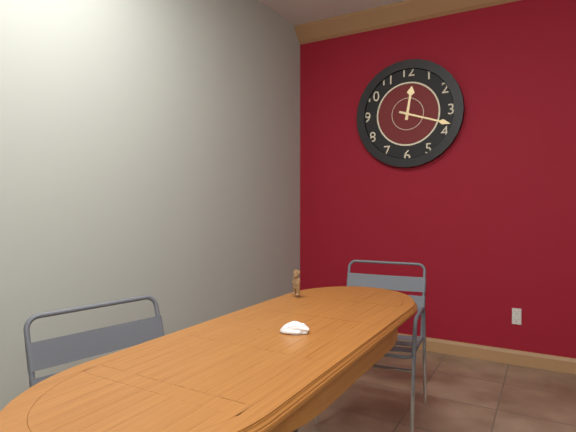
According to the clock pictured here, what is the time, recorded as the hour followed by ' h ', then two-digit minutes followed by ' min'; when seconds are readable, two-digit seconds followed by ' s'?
12 h 18 min
